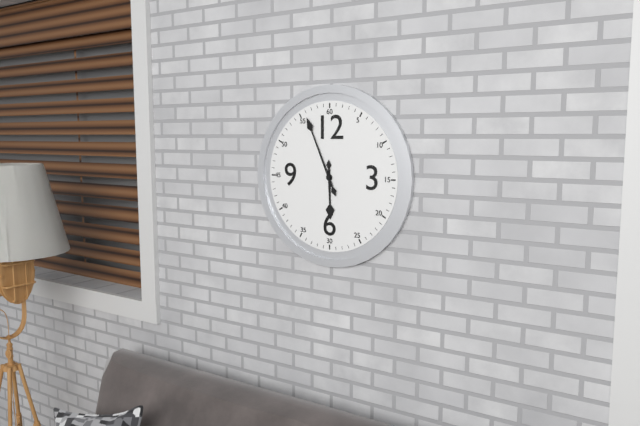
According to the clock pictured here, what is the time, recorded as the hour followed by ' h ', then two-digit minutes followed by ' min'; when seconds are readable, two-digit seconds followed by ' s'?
5 h 56 min
